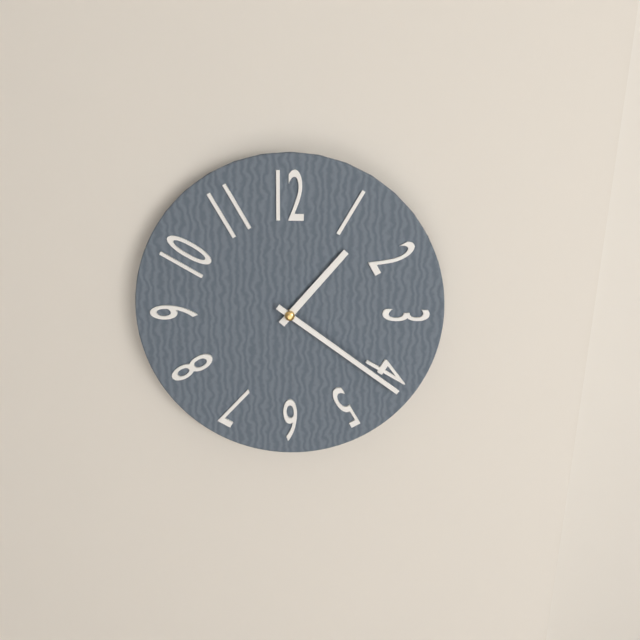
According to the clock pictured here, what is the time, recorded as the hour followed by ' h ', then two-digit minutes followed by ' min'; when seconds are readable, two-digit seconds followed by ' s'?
1 h 21 min
